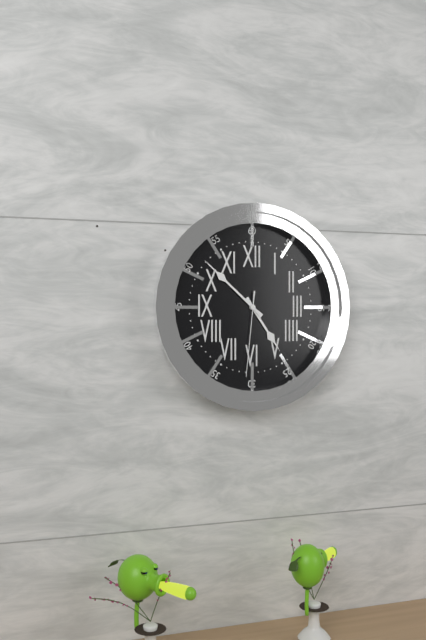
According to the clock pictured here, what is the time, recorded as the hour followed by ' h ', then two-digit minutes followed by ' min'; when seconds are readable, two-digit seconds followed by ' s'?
4 h 52 min 31 s
